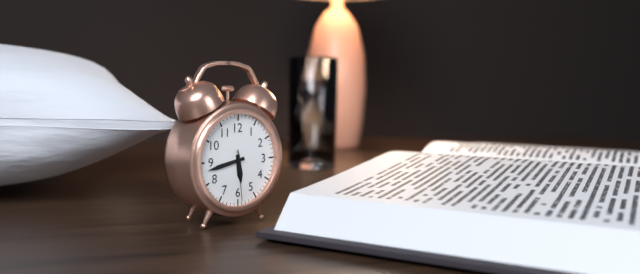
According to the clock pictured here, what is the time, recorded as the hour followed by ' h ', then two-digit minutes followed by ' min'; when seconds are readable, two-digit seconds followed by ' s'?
5 h 43 min 29 s
